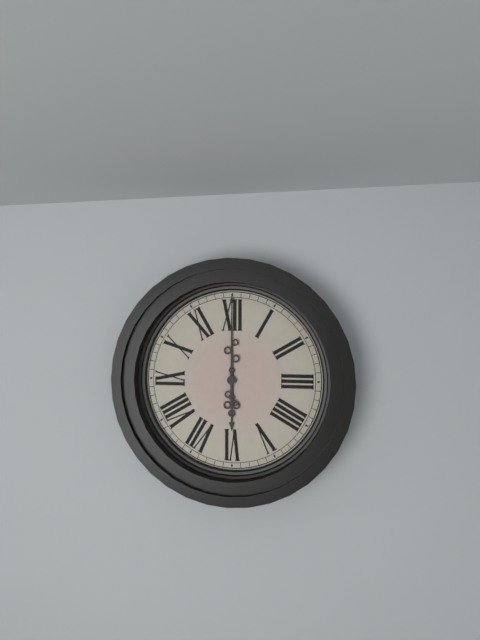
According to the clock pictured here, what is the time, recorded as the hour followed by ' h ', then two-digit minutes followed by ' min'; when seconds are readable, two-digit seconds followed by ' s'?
6 h 00 min
